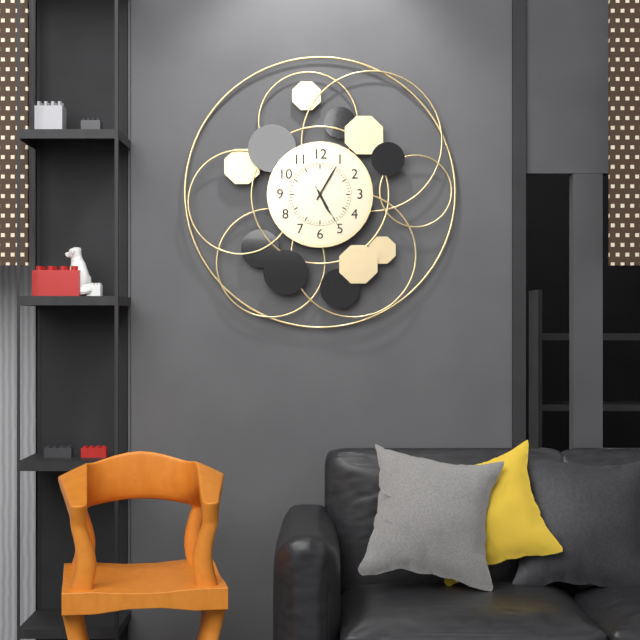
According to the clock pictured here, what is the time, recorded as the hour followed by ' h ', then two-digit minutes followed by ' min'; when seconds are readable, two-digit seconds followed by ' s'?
5 h 05 min
